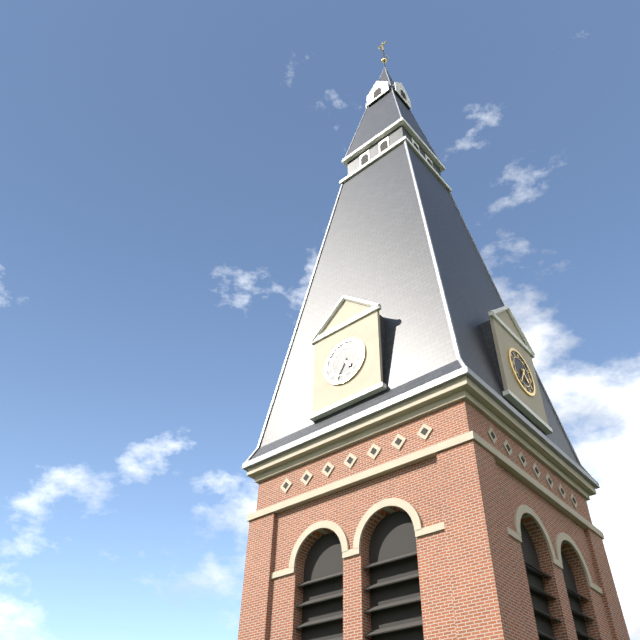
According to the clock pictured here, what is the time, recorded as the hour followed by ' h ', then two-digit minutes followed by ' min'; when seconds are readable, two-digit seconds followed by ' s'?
4 h 35 min
